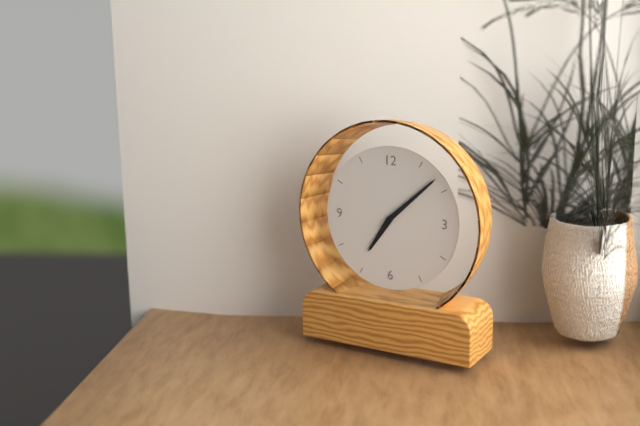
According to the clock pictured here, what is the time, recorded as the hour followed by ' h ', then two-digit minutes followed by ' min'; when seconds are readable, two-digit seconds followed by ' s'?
7 h 08 min
